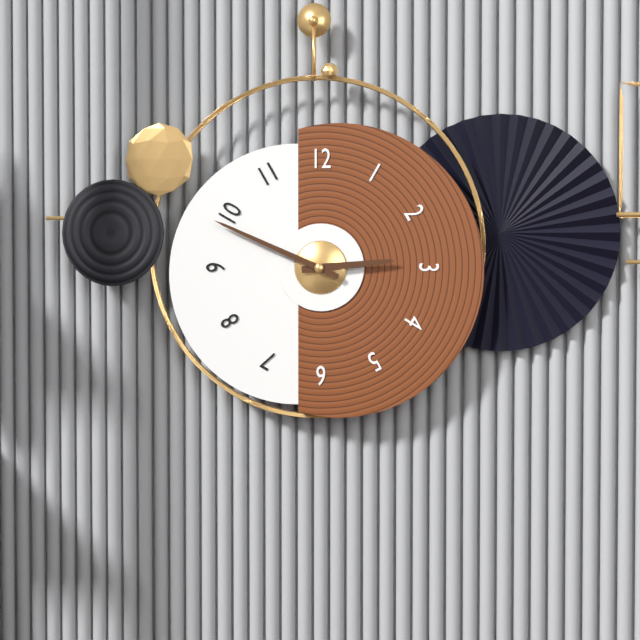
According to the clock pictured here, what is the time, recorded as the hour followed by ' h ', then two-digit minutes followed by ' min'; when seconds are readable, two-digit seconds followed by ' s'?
2 h 49 min
